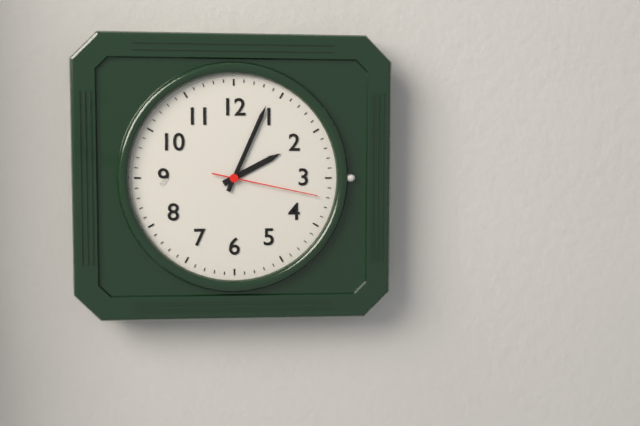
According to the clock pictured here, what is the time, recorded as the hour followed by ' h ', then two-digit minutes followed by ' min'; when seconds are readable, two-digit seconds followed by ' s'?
2 h 04 min 17 s
